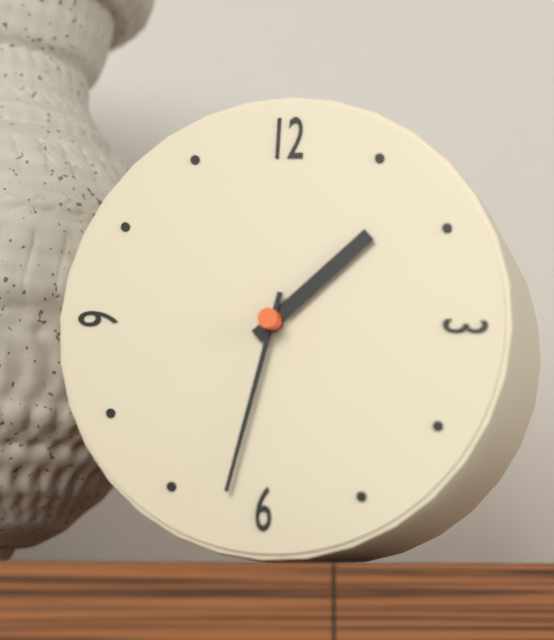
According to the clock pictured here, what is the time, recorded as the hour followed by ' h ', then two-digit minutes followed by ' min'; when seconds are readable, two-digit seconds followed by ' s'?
1 h 32 min
